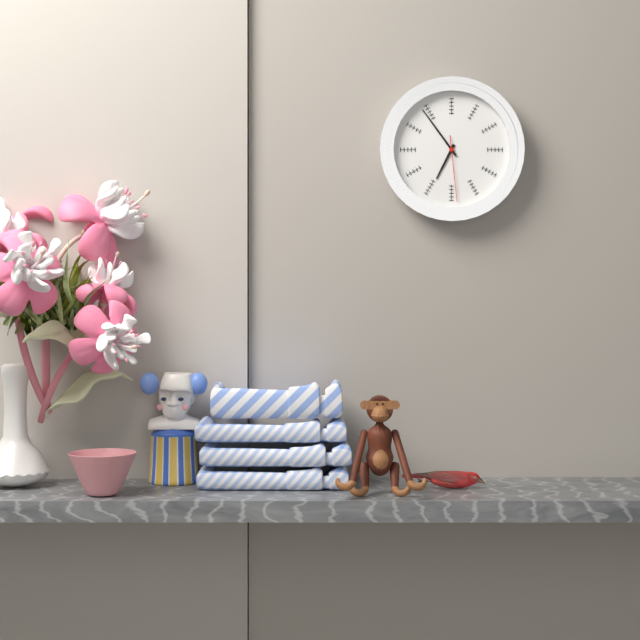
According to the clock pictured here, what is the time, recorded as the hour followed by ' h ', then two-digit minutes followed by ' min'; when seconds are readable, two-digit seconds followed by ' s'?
6 h 54 min 29 s
